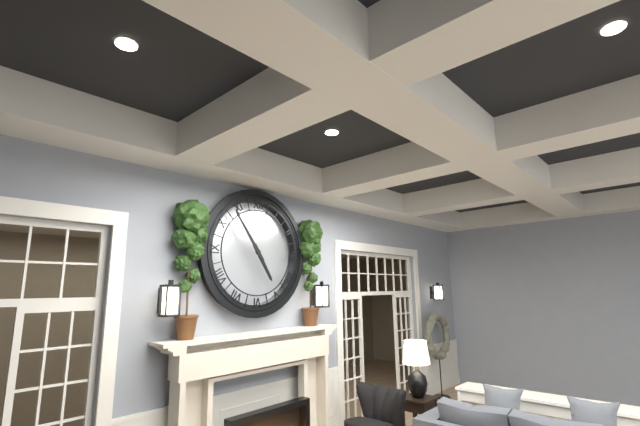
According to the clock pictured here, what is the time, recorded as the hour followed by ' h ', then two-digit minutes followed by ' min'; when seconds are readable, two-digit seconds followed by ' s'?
4 h 54 min
